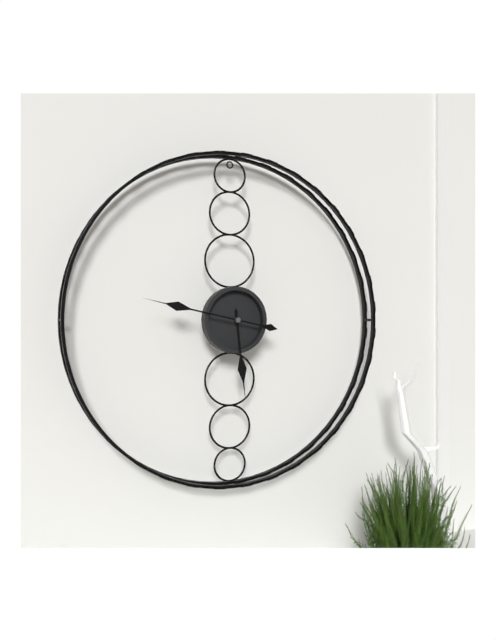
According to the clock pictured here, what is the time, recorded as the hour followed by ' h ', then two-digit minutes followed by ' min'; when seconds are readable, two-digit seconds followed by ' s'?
5 h 47 min
